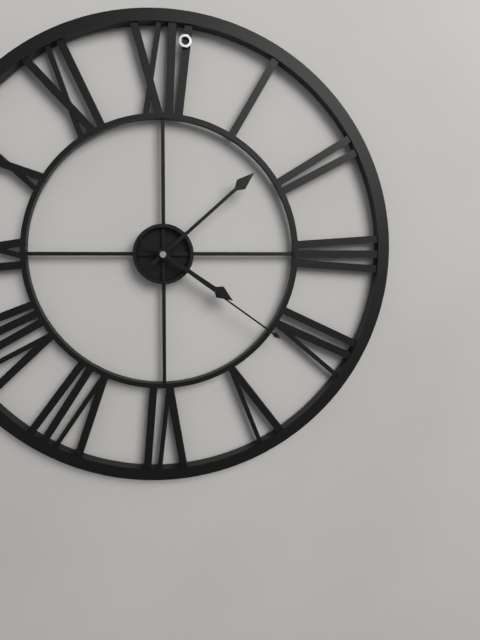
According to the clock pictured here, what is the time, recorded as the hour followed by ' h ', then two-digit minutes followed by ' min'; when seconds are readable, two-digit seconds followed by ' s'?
4 h 08 min 21 s
